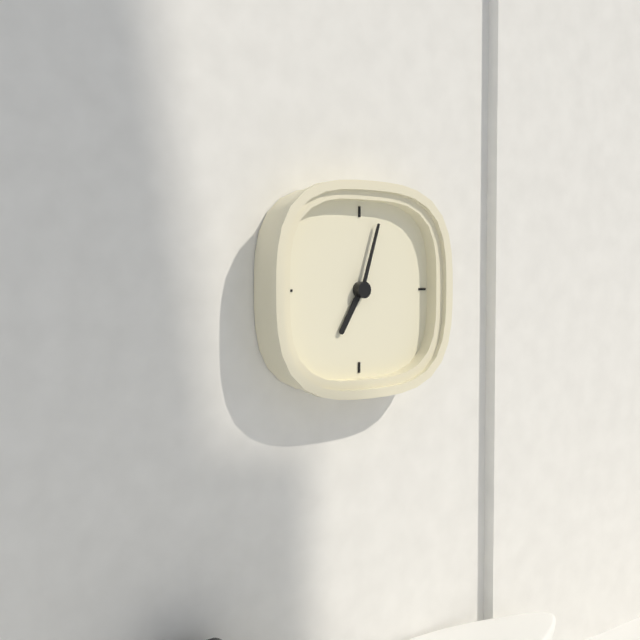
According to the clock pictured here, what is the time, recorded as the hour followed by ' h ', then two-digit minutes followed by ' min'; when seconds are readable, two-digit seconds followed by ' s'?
7 h 03 min
